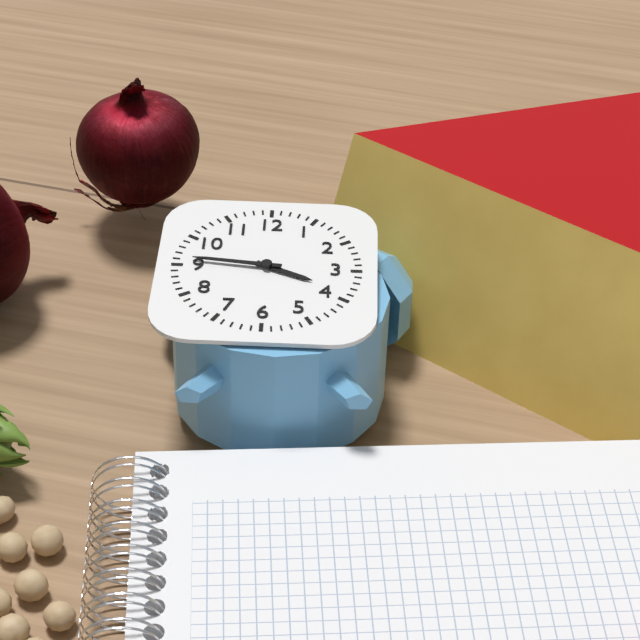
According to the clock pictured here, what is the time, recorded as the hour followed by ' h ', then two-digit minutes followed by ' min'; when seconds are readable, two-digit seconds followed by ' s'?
3 h 46 min
